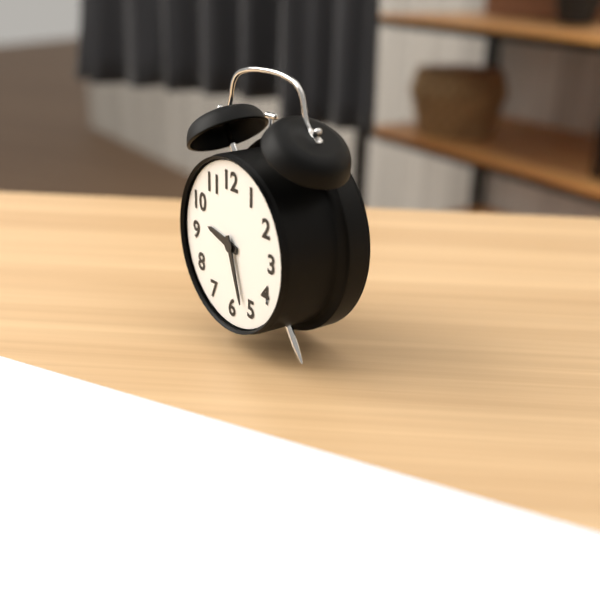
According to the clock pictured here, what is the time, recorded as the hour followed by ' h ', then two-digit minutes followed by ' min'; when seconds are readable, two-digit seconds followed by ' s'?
9 h 27 min
